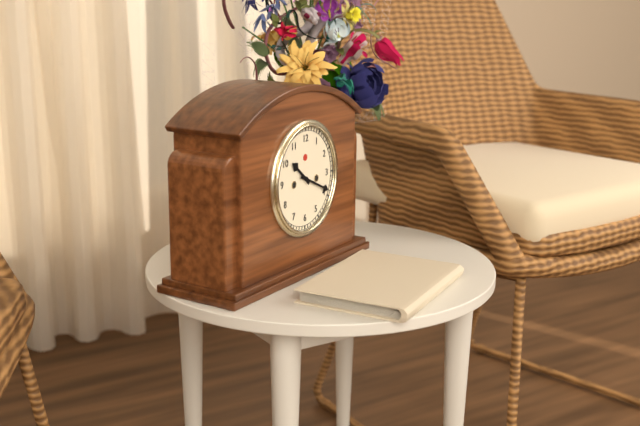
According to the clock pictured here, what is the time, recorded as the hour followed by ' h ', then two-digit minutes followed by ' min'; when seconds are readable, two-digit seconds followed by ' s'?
10 h 19 min
